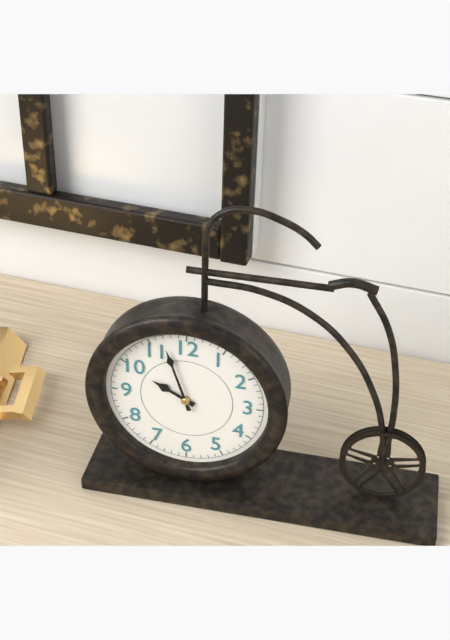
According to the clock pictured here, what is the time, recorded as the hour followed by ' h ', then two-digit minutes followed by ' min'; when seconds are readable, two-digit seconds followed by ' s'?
9 h 57 min
